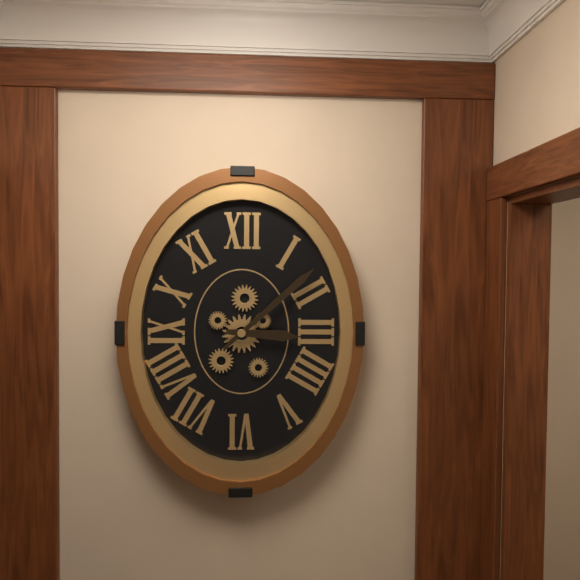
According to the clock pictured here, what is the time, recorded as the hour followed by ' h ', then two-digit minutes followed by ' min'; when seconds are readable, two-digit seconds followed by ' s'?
3 h 08 min
